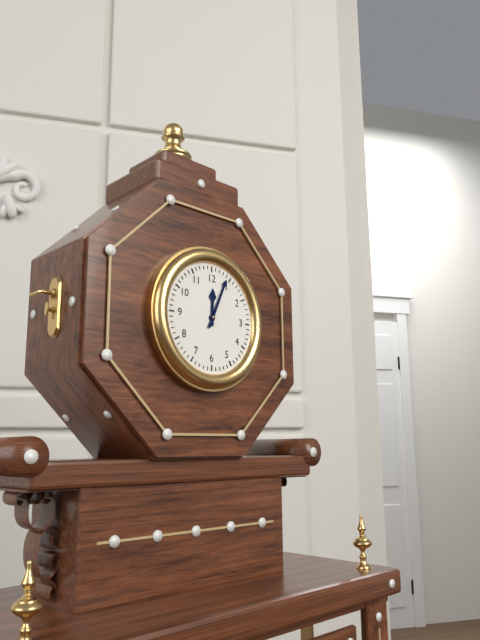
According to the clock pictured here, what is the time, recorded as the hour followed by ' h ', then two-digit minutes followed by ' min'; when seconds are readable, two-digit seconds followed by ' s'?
12 h 04 min
